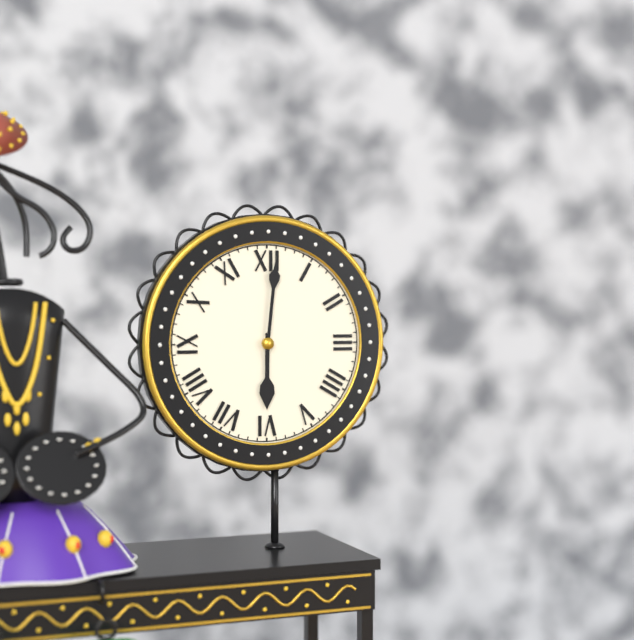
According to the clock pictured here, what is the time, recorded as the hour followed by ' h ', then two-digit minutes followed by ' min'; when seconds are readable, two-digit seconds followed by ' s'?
6 h 01 min
